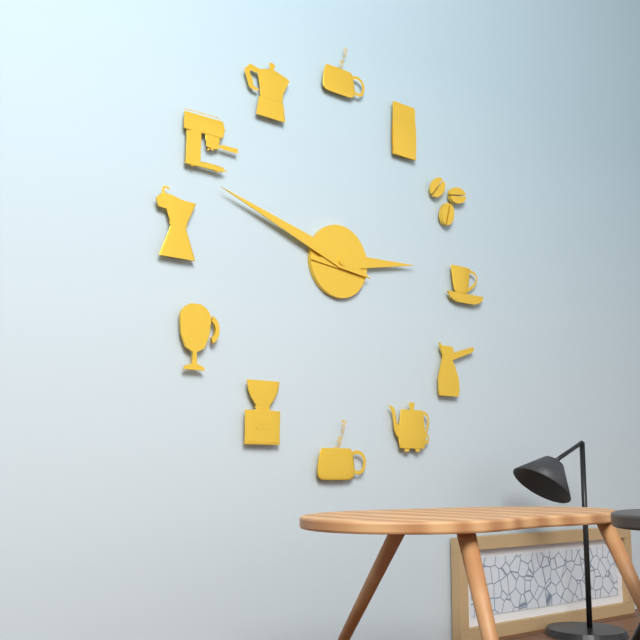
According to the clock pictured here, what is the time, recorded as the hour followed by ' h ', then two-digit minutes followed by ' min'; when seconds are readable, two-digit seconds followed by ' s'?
2 h 48 min
